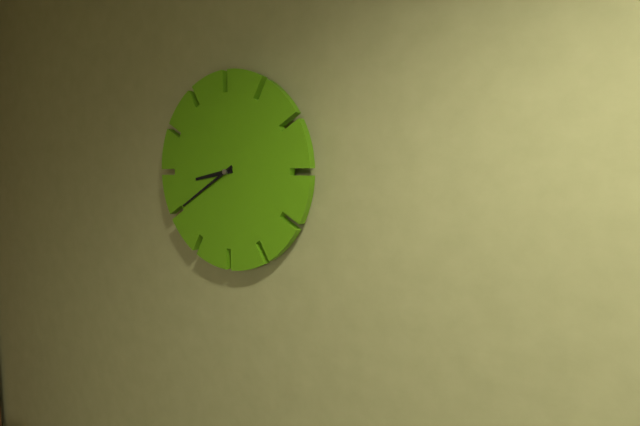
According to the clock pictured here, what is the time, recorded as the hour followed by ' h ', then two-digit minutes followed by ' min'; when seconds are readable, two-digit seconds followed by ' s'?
8 h 40 min
